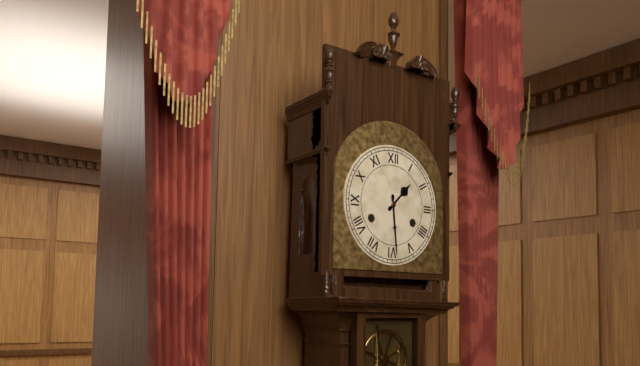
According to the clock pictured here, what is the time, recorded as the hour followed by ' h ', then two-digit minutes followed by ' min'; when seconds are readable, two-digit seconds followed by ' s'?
1 h 29 min
